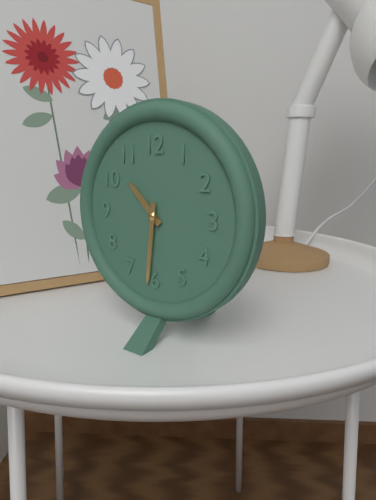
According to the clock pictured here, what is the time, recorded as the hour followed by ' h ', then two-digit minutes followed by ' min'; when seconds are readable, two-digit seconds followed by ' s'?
10 h 31 min
